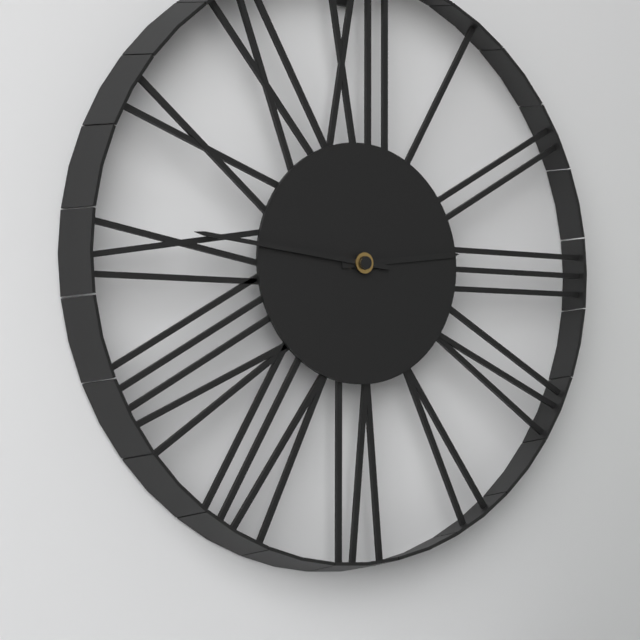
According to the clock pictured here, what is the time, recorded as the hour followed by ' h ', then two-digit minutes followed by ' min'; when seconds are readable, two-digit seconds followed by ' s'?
2 h 46 min
